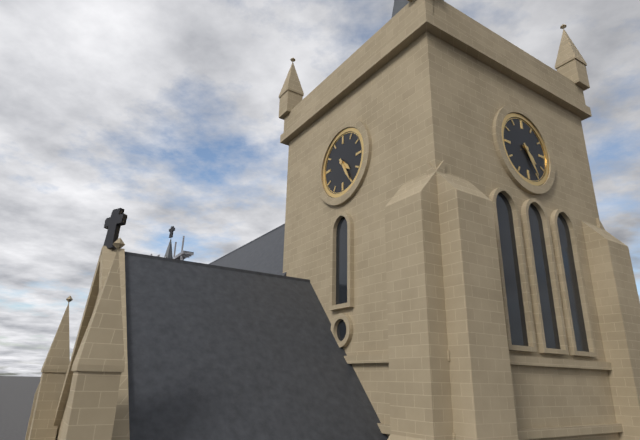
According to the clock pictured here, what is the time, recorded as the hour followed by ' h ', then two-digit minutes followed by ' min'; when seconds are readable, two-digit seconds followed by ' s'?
4 h 25 min
